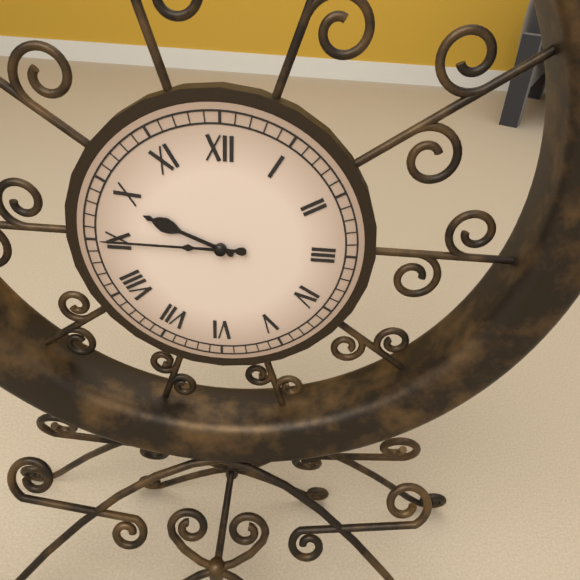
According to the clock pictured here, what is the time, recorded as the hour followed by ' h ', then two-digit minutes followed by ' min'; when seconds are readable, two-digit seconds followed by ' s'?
9 h 45 min
